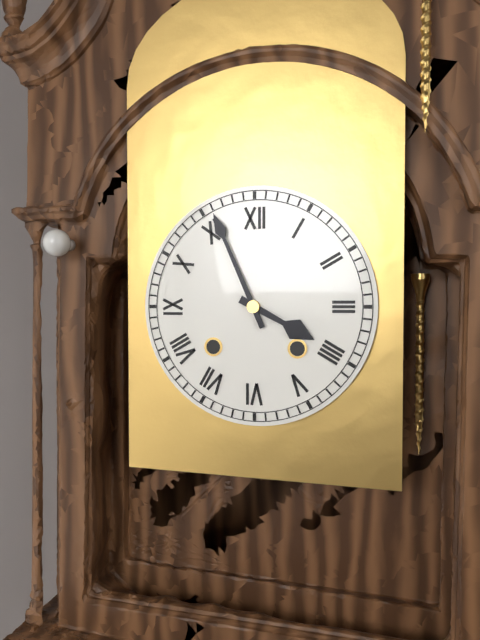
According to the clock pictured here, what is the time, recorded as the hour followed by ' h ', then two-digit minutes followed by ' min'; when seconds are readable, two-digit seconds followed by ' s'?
3 h 56 min
